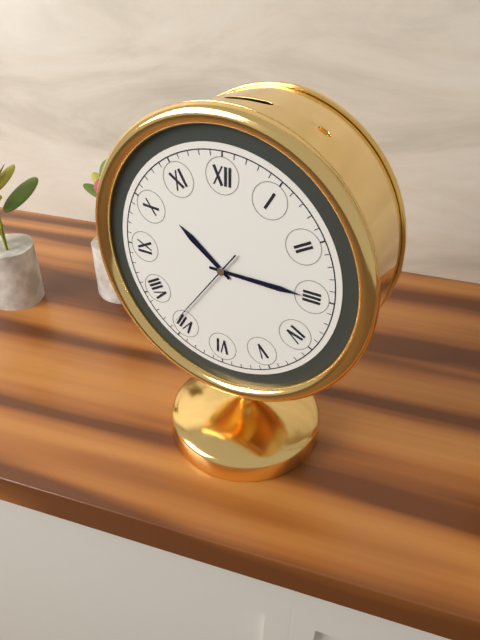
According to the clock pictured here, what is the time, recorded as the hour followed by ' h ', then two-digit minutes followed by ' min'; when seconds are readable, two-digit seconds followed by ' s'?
10 h 15 min 36 s
